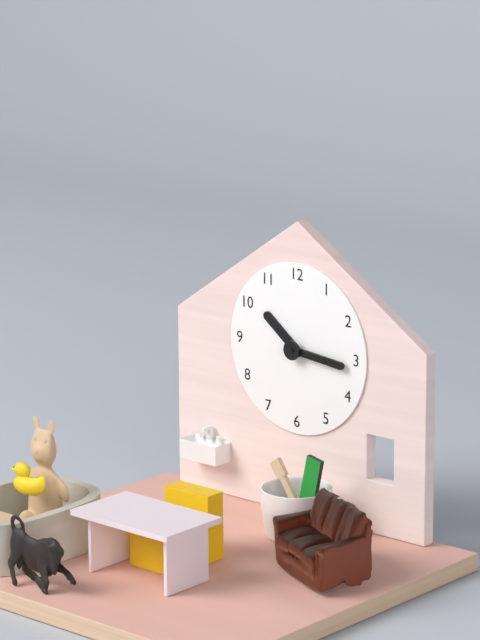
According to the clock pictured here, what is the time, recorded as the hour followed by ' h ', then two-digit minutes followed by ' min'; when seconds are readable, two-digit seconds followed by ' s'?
10 h 16 min
